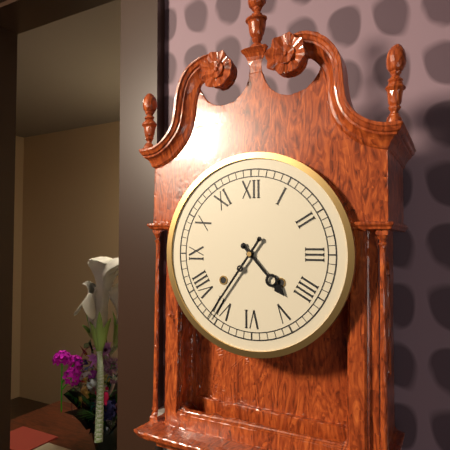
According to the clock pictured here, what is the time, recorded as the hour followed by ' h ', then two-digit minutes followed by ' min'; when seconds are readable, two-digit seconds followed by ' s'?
4 h 36 min
